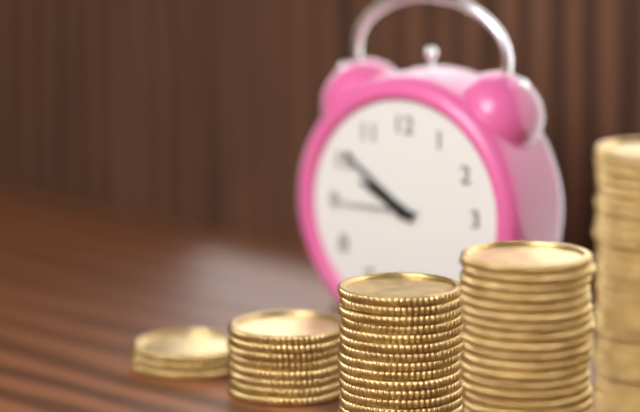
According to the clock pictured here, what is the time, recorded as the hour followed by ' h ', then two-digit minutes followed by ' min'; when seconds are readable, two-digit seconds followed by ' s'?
9 h 51 min 45 s
